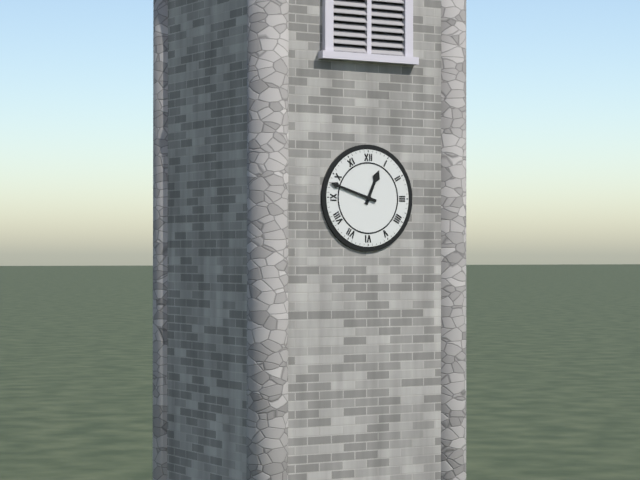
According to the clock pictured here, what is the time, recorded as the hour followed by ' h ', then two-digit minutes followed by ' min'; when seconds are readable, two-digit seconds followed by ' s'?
12 h 48 min
